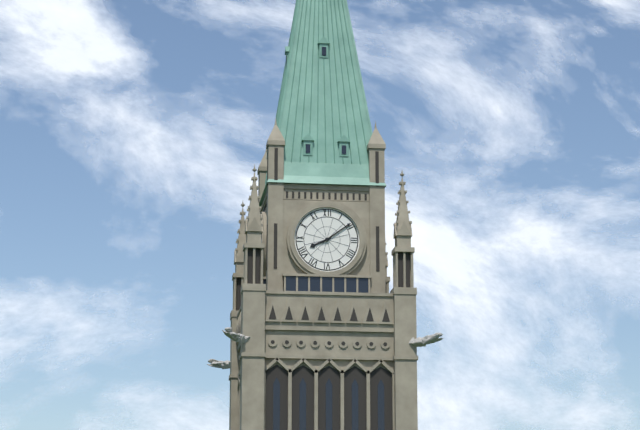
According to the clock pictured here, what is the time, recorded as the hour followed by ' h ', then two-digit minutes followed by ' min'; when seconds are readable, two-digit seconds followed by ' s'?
8 h 09 min
